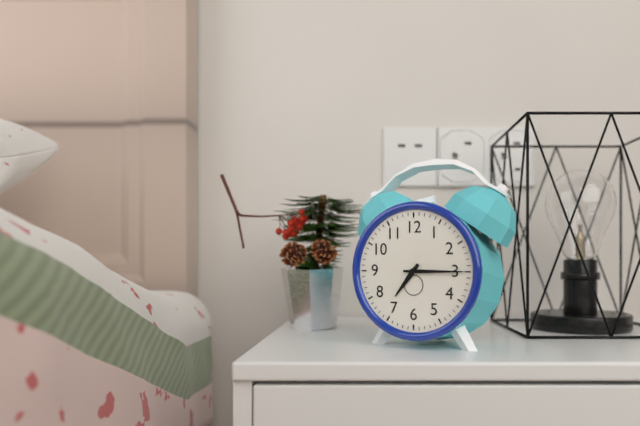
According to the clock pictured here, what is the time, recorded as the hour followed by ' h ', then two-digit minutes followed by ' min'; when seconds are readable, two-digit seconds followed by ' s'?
7 h 15 min
